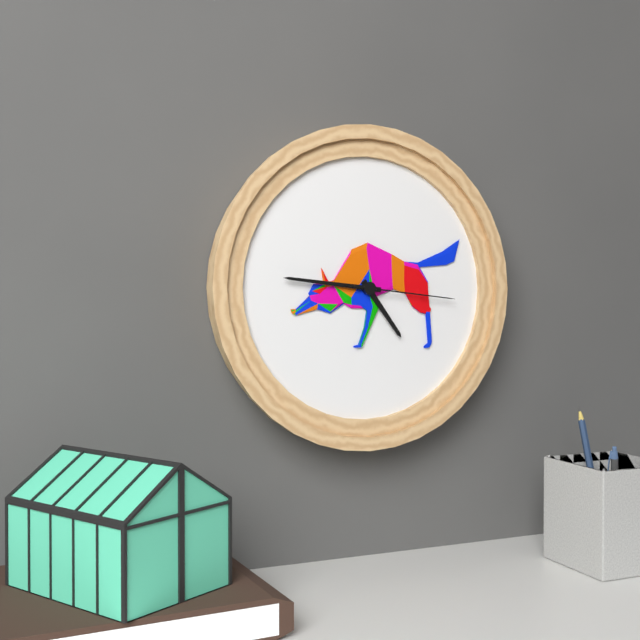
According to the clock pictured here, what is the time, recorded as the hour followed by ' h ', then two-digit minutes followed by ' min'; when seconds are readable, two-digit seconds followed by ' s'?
4 h 46 min 16 s
